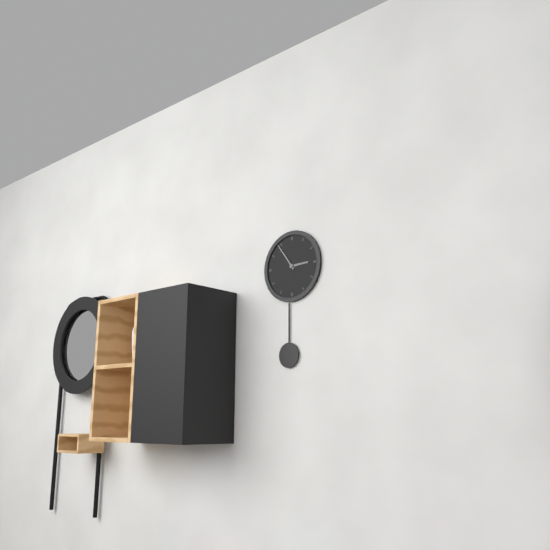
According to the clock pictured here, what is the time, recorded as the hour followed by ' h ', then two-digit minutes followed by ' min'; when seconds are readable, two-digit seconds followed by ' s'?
2 h 54 min
